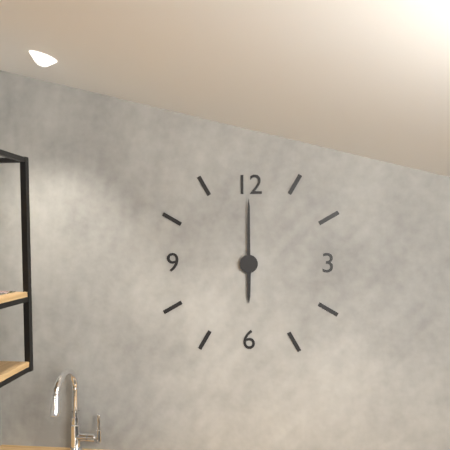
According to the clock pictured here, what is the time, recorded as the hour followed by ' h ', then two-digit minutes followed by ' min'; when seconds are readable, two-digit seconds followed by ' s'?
6 h 00 min
